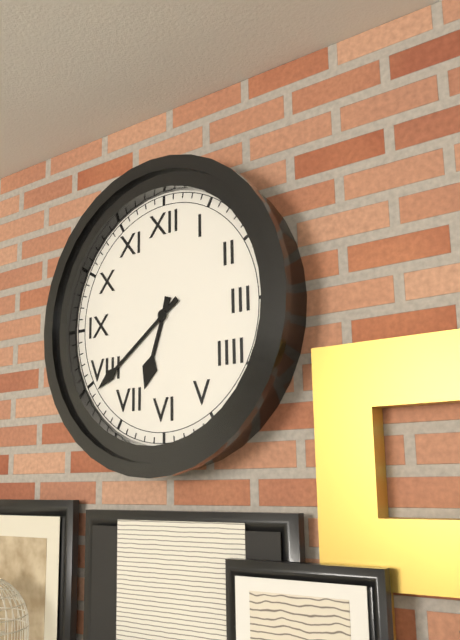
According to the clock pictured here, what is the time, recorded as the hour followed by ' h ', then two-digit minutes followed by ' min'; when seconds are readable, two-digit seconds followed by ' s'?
6 h 39 min
